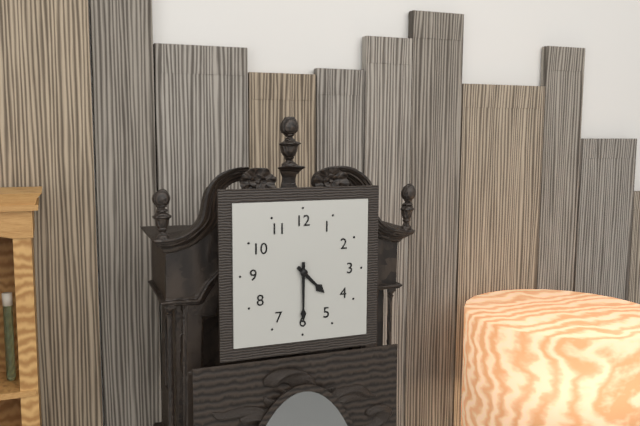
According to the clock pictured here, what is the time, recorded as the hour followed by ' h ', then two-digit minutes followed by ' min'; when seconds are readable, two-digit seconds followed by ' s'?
4 h 30 min
